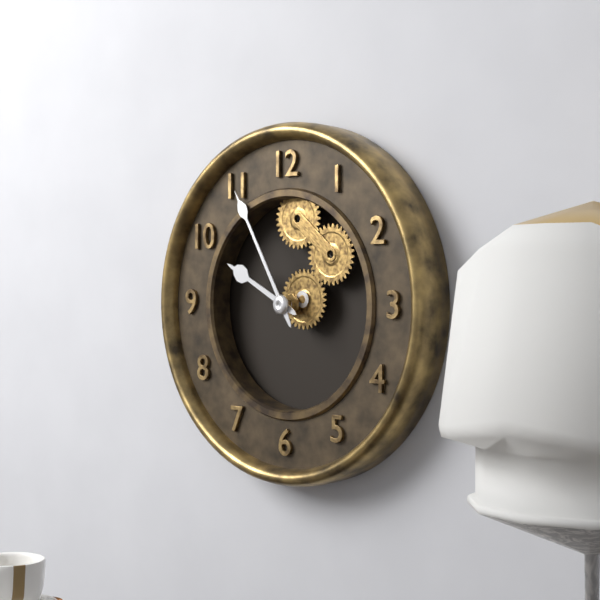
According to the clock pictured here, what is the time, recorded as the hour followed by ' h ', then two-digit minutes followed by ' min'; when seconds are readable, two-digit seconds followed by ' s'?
9 h 55 min
